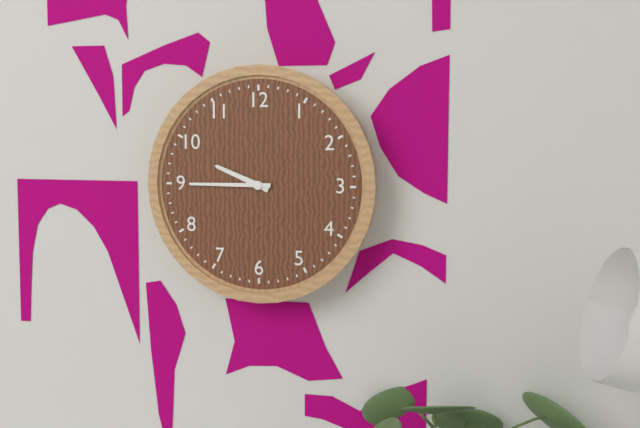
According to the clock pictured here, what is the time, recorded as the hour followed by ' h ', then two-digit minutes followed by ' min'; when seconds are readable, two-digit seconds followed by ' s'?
9 h 45 min
